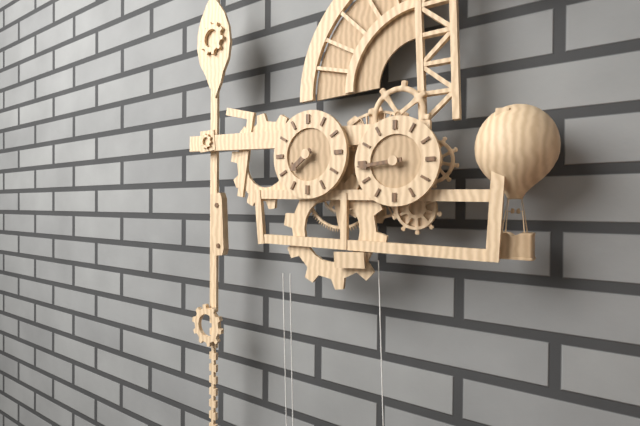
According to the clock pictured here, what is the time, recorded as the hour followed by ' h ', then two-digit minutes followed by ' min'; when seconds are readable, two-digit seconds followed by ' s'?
7 h 44 min
